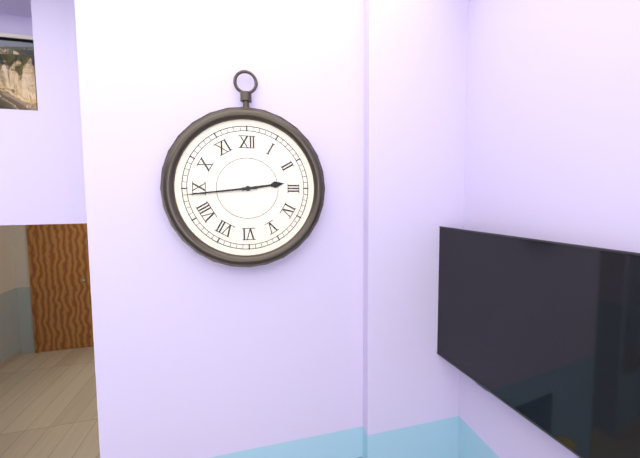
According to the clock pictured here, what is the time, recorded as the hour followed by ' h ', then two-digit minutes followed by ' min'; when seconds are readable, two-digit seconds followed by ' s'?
2 h 44 min
